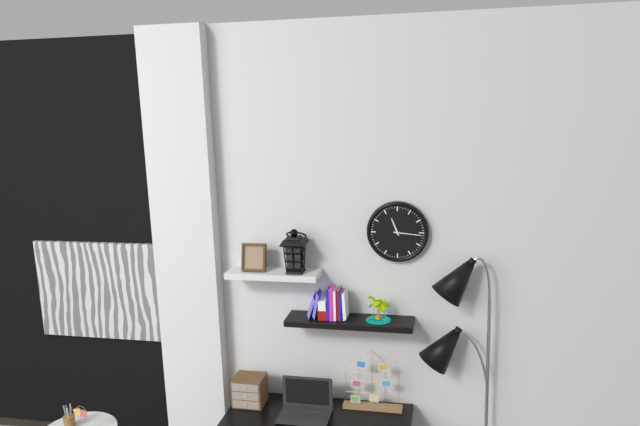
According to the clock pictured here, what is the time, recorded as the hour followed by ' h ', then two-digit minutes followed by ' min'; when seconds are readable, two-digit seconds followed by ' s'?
11 h 16 min
